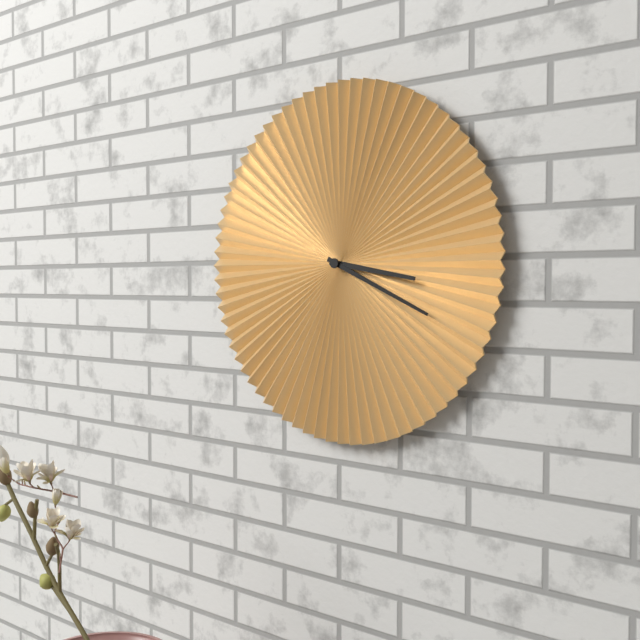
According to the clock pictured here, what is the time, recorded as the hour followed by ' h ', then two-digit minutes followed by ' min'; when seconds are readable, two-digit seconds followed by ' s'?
3 h 19 min
